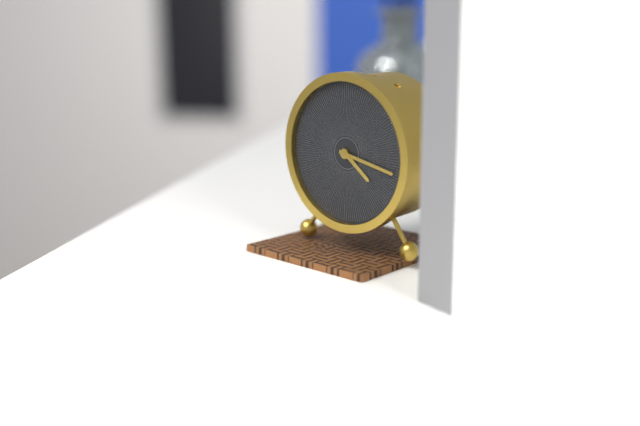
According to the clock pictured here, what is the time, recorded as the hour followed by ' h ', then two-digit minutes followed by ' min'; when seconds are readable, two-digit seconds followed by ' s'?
4 h 17 min
